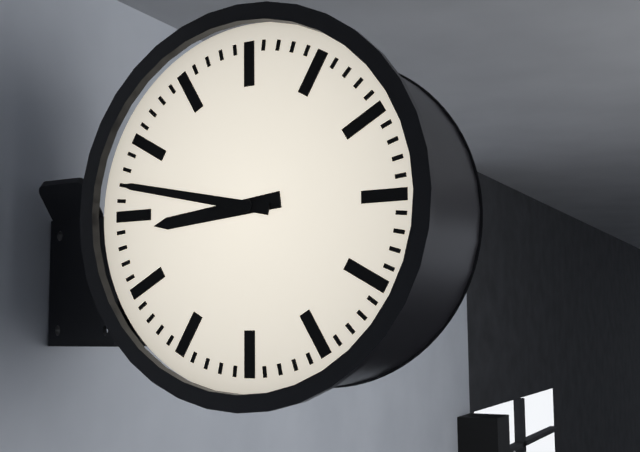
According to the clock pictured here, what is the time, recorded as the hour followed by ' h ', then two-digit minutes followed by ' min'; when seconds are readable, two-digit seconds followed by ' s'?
8 h 47 min
